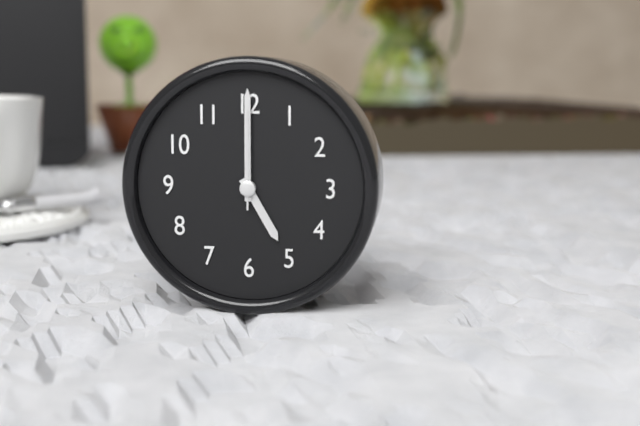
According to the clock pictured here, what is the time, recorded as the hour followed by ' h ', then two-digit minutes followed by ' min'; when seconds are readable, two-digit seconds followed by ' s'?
5 h 00 min 00 s
